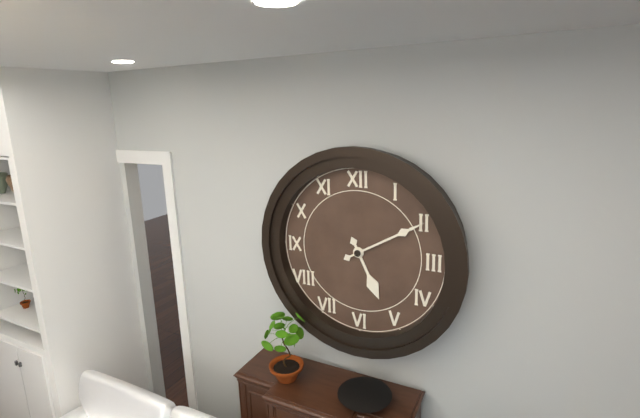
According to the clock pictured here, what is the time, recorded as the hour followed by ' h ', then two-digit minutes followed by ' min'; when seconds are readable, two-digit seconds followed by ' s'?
5 h 10 min
